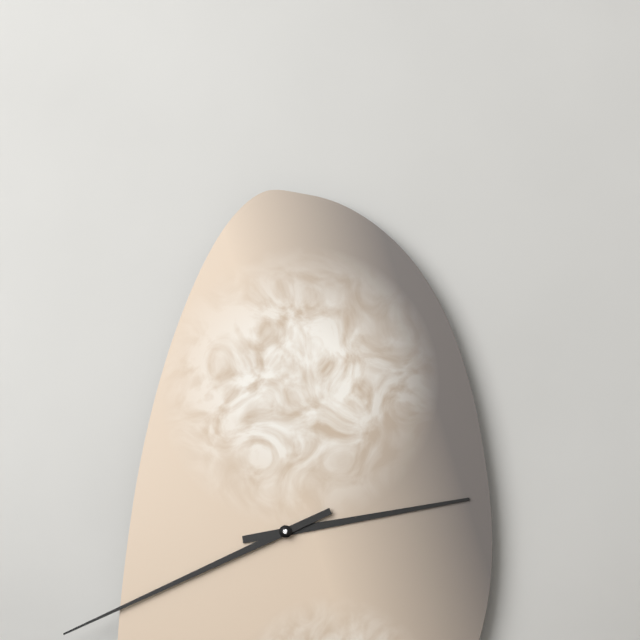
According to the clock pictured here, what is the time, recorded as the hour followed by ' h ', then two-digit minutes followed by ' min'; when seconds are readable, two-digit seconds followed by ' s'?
2 h 41 min
